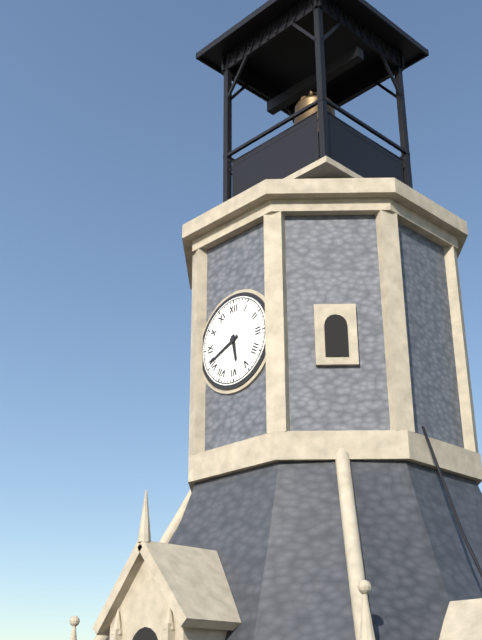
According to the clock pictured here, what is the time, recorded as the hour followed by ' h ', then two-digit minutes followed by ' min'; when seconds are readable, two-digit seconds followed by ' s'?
5 h 41 min
